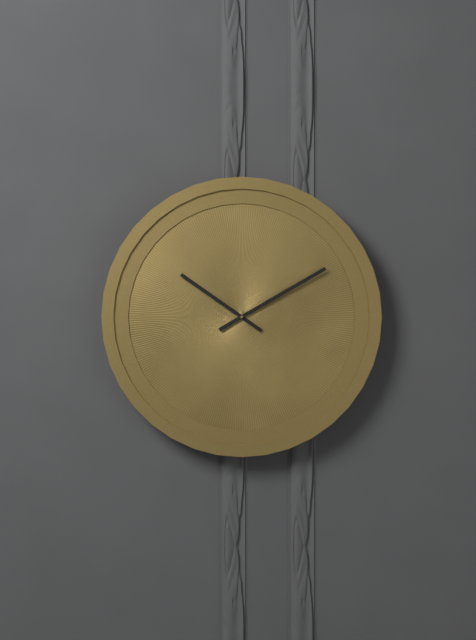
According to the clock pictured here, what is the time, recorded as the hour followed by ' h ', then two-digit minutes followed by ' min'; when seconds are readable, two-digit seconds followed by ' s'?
10 h 10 min
